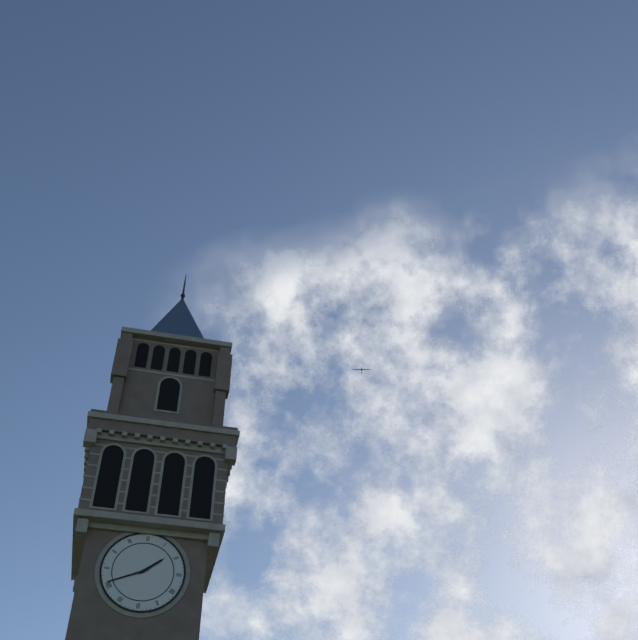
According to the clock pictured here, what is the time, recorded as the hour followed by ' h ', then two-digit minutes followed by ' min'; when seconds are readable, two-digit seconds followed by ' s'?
1 h 41 min
